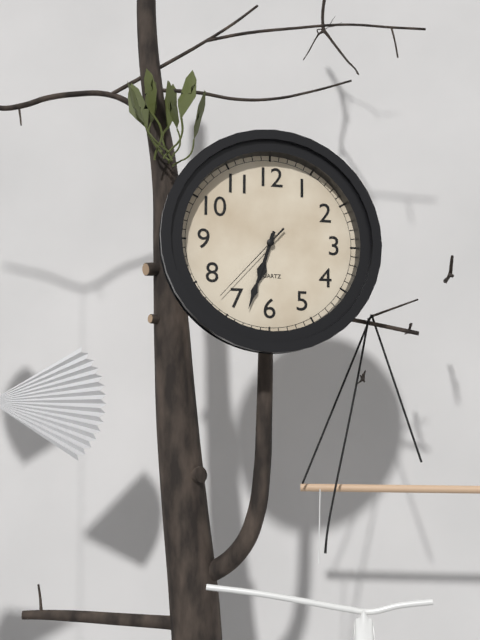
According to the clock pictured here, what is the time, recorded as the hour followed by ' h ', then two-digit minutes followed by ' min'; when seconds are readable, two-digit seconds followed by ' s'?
6 h 33 min 37 s
